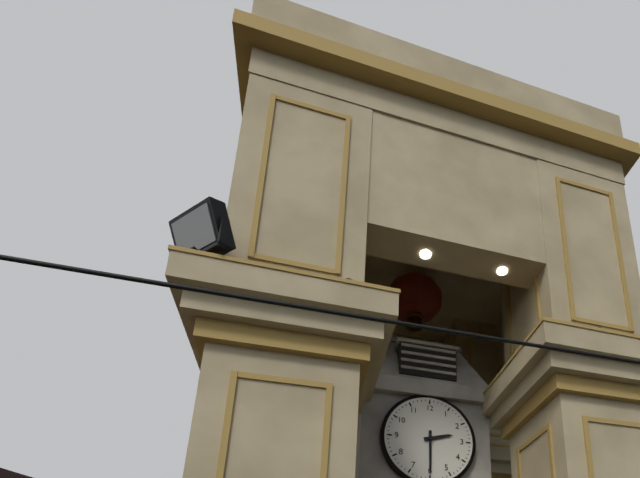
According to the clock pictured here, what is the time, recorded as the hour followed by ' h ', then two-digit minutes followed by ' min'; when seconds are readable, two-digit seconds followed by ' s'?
2 h 30 min
